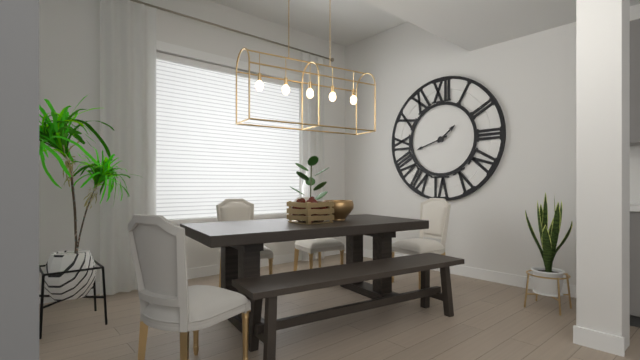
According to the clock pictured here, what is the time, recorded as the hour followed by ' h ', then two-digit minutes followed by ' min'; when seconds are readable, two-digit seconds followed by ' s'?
1 h 42 min
